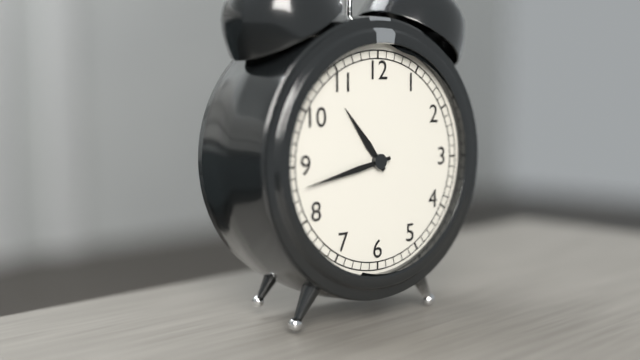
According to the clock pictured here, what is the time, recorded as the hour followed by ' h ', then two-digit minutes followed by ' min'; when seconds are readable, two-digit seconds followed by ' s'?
10 h 43 min
